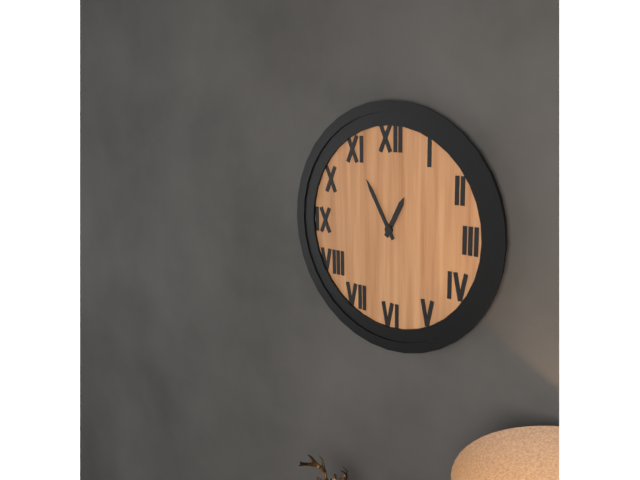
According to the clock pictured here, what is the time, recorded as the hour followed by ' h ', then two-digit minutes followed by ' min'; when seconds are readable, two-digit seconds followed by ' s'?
12 h 55 min
